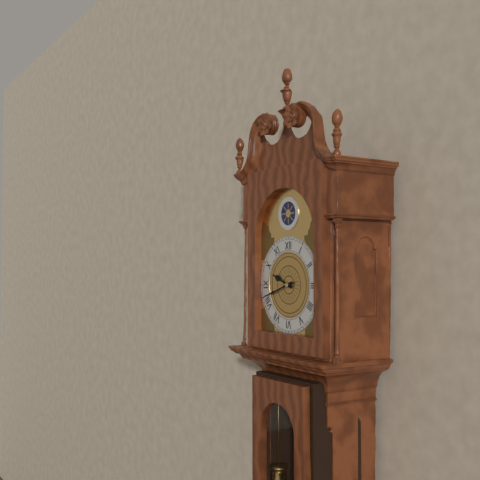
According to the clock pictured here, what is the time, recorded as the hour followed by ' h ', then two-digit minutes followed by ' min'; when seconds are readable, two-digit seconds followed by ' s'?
9 h 42 min
